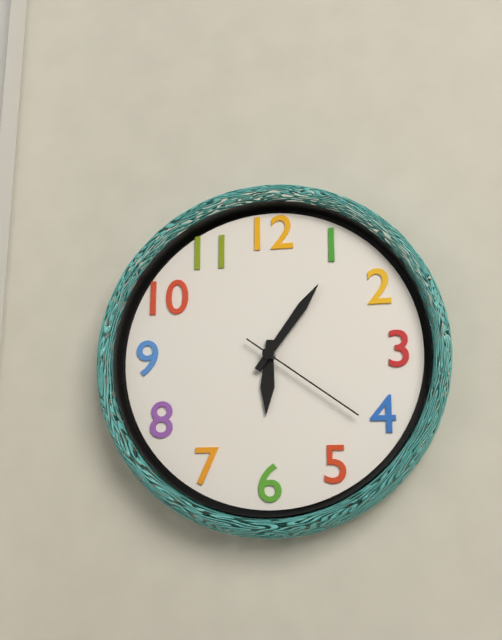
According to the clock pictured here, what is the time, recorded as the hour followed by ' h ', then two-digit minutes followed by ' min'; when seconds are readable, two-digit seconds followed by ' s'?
6 h 06 min 21 s
